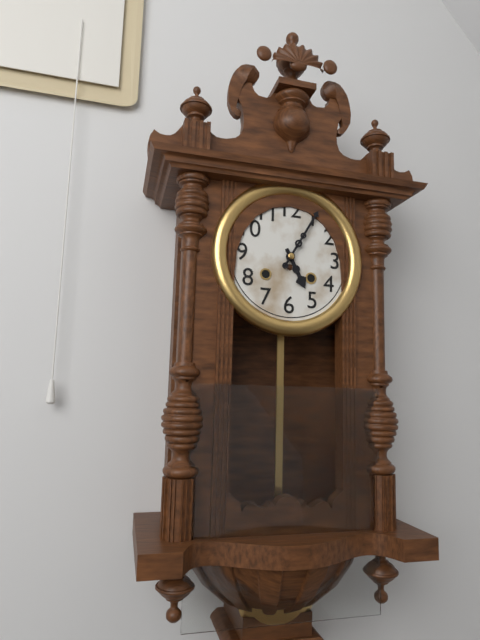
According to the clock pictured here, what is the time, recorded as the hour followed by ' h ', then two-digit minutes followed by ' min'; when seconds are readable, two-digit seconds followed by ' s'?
5 h 05 min
